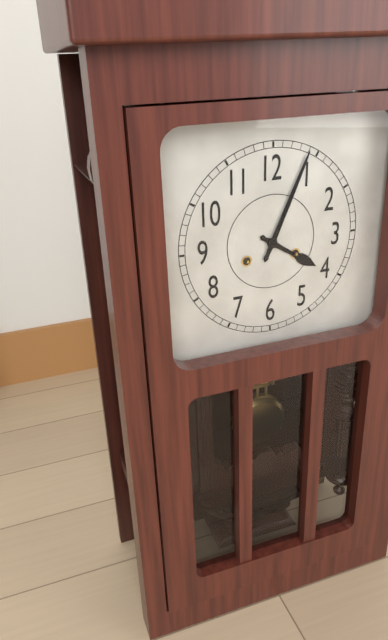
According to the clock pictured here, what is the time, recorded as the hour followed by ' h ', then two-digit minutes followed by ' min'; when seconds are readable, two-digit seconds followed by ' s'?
4 h 04 min
